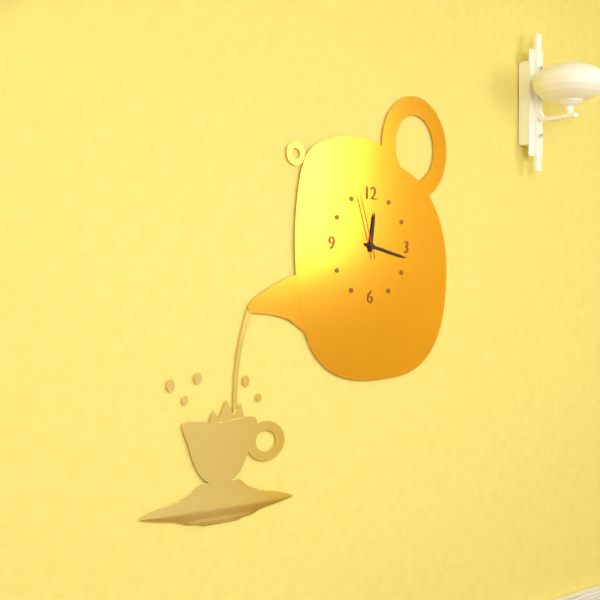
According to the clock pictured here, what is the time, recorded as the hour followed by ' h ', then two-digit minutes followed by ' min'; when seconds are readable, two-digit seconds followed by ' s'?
12 h 17 min 57 s
